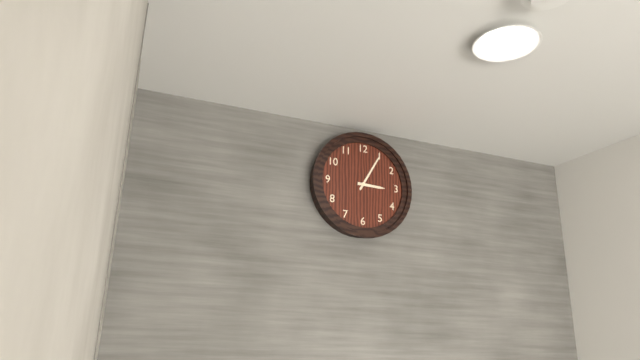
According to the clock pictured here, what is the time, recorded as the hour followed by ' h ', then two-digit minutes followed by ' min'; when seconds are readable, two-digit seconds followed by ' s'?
3 h 05 min
